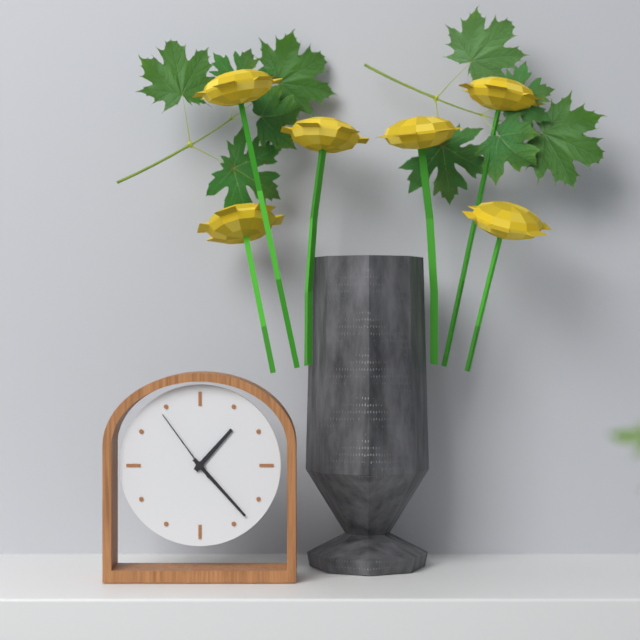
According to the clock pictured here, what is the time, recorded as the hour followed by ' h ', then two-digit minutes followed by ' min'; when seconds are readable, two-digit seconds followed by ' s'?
1 h 23 min 54 s
